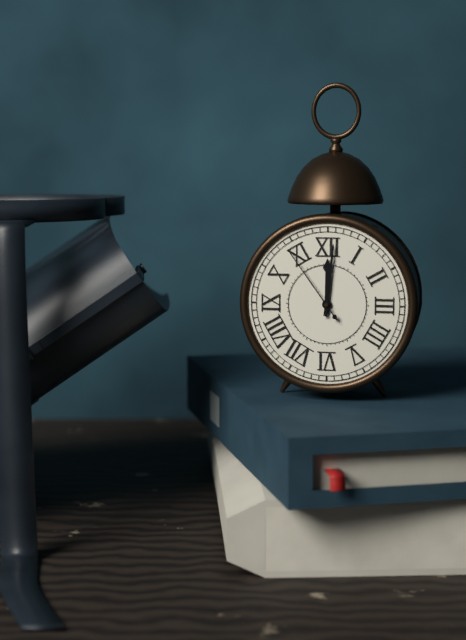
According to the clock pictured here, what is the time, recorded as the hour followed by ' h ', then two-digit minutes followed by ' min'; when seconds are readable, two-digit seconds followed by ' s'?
12 h 01 min 54 s
